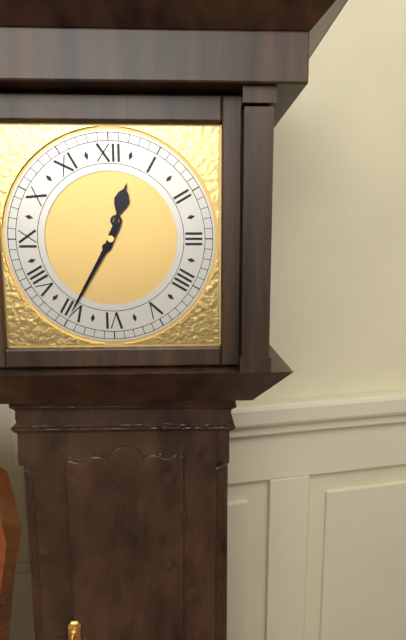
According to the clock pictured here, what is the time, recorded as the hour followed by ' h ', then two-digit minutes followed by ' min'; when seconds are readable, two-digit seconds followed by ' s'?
12 h 35 min
